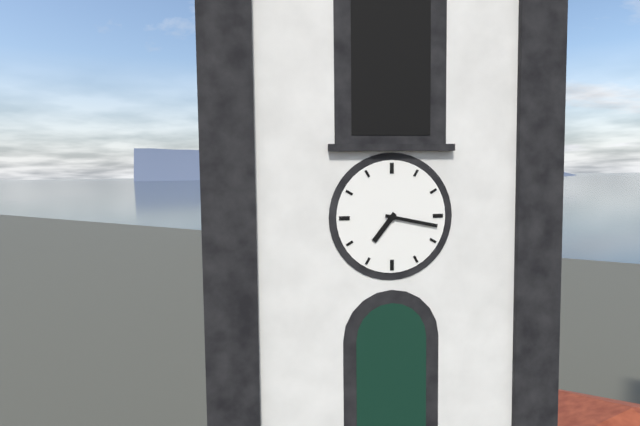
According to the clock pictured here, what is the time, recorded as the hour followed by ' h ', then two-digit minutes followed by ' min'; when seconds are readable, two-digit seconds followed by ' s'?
7 h 17 min
